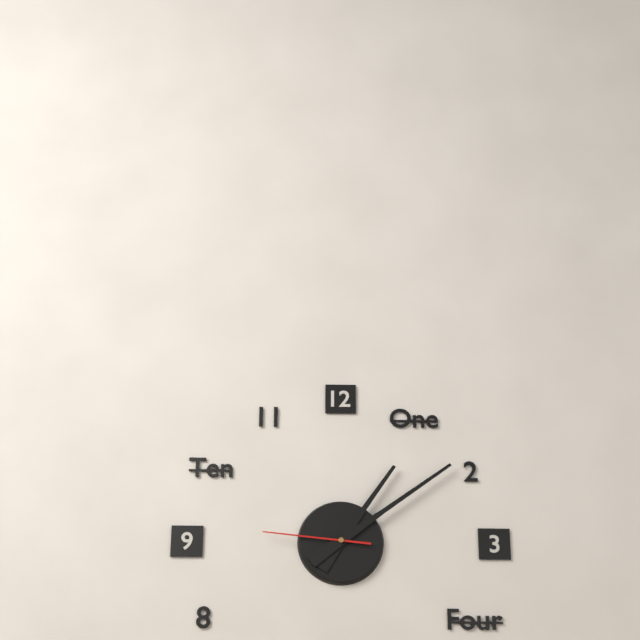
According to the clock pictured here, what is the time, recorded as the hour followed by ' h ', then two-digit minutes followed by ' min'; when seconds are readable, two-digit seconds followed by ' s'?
1 h 09 min 46 s
